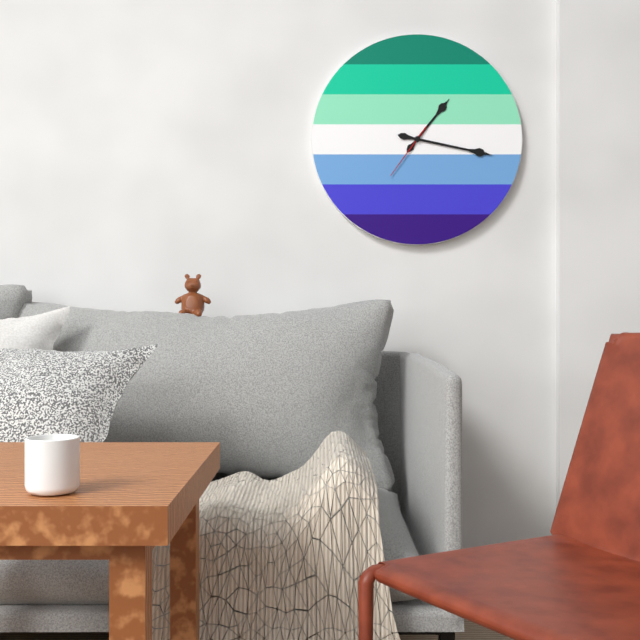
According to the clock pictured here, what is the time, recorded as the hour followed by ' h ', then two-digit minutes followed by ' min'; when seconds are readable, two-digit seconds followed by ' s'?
1 h 17 min 36 s
